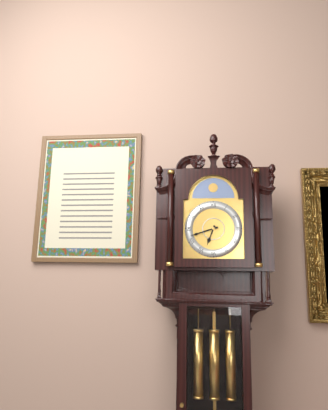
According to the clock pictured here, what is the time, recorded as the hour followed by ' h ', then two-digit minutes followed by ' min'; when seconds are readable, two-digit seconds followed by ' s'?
6 h 42 min
